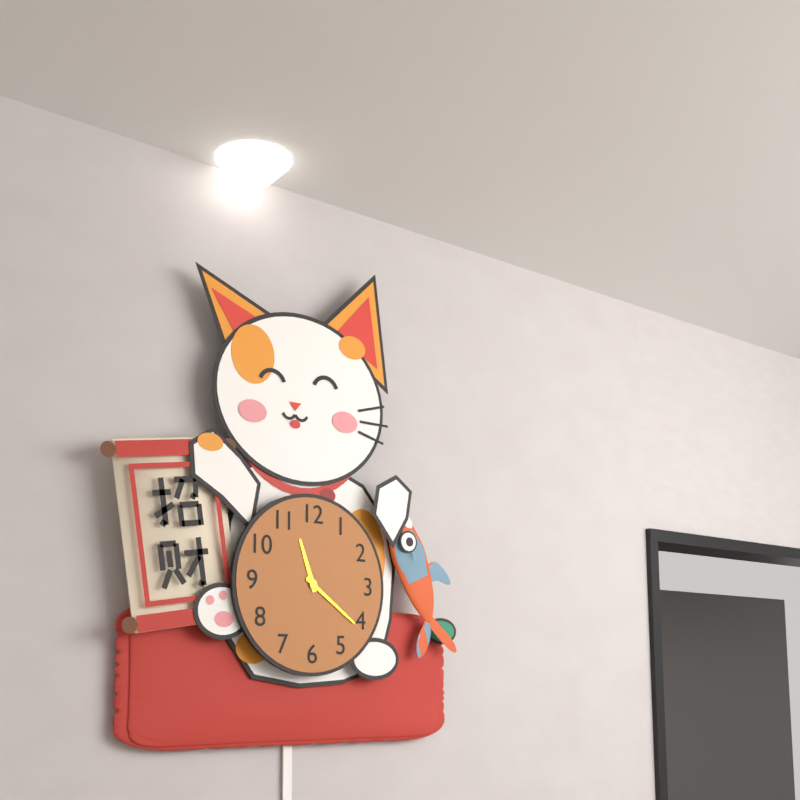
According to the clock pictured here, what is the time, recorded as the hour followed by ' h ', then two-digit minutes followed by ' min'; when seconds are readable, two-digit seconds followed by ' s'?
11 h 21 min
